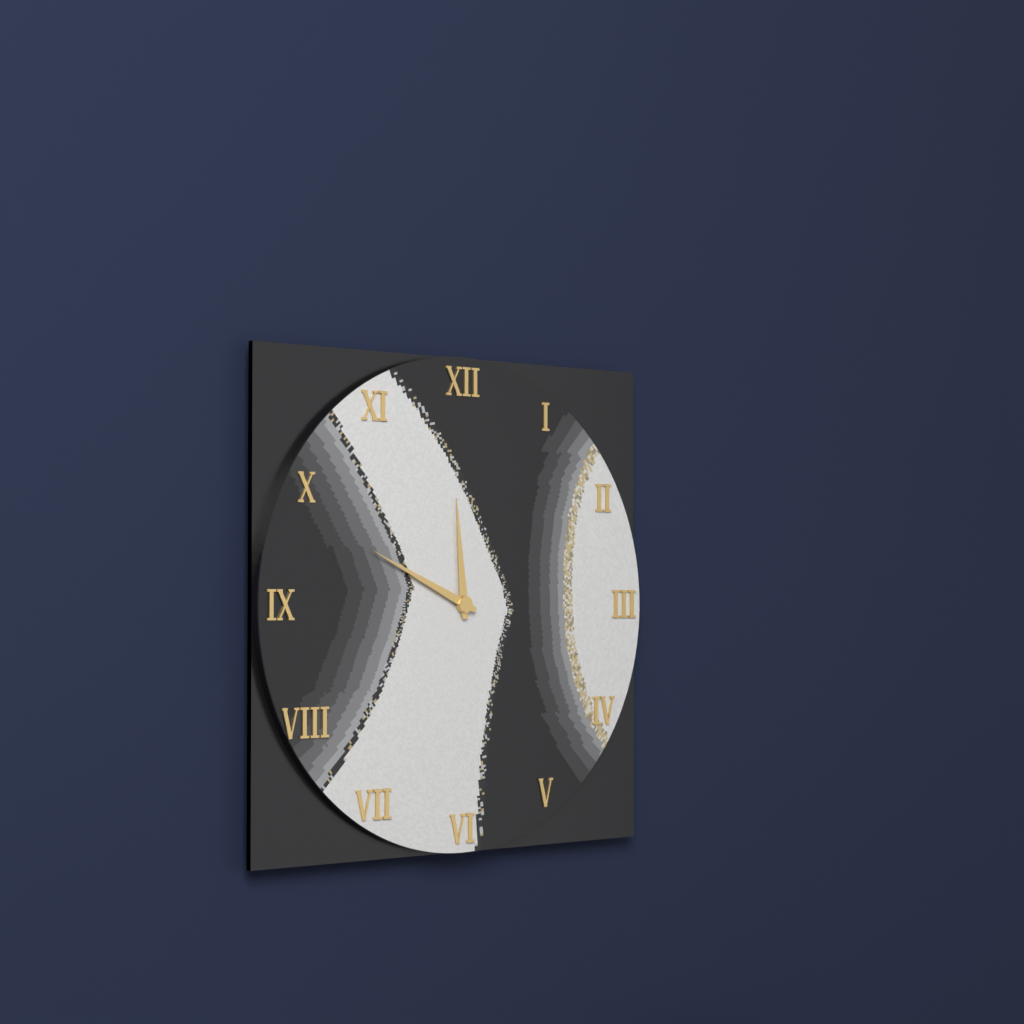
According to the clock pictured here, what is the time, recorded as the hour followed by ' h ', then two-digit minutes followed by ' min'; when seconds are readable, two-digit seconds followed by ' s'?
11 h 49 min
